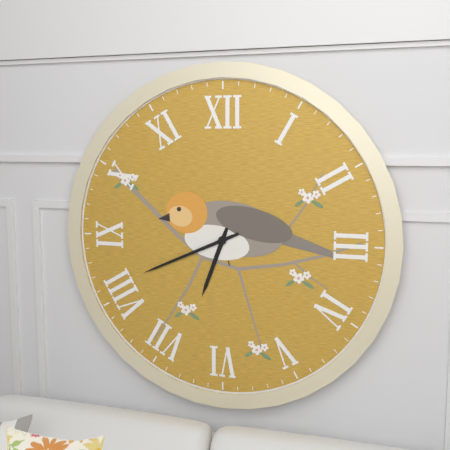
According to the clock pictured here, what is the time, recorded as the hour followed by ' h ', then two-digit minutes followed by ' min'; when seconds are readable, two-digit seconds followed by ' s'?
6 h 41 min
